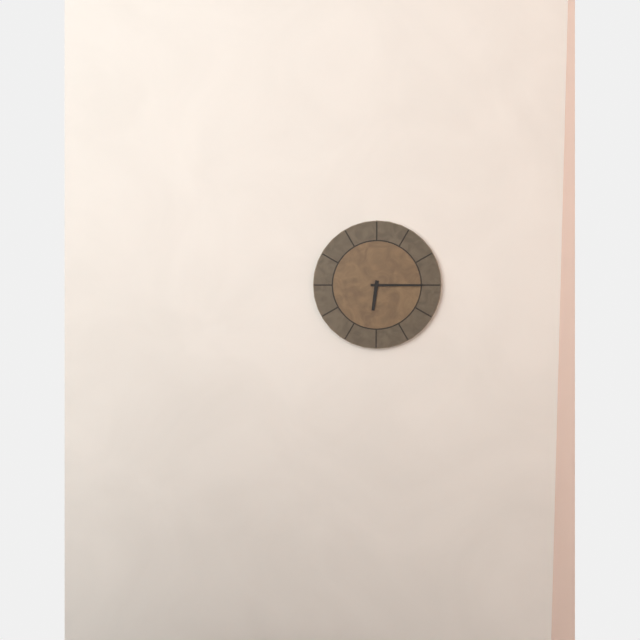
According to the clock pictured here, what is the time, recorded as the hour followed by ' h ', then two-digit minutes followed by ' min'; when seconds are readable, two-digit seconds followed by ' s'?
6 h 15 min
